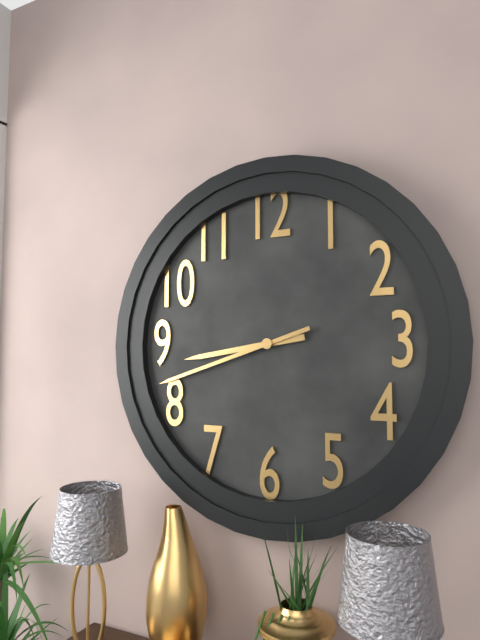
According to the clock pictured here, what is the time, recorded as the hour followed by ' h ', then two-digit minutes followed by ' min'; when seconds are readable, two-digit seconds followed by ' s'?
8 h 42 min
